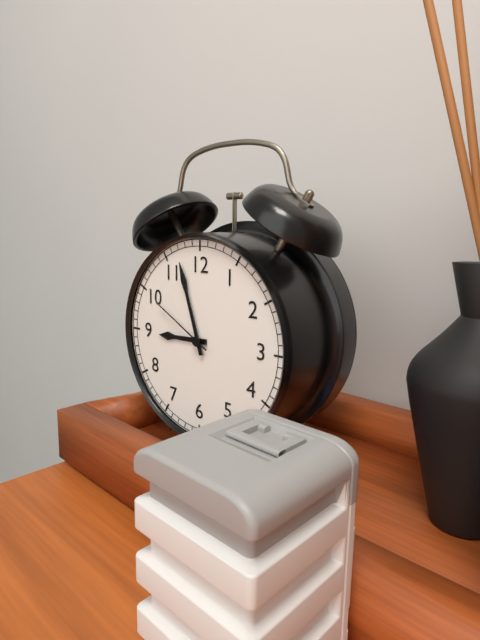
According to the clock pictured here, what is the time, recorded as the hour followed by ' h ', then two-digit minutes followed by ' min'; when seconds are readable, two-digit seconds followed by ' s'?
8 h 57 min 50 s
